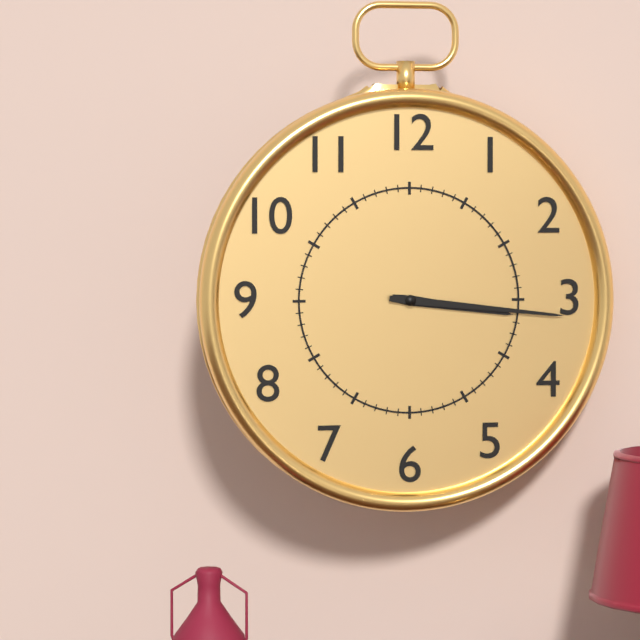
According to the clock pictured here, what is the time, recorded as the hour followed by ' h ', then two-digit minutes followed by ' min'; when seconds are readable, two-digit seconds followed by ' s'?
3 h 16 min
